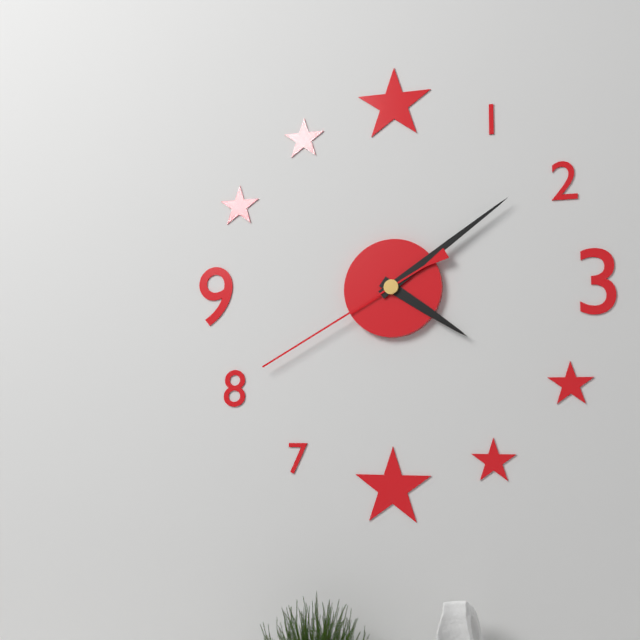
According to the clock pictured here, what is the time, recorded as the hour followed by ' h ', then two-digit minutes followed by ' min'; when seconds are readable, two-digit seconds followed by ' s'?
4 h 09 min 40 s
